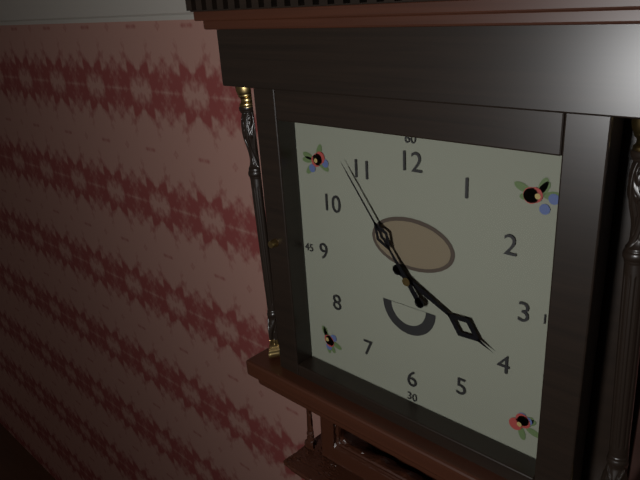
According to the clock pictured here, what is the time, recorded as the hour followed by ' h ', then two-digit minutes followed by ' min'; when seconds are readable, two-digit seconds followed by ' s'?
3 h 54 min
